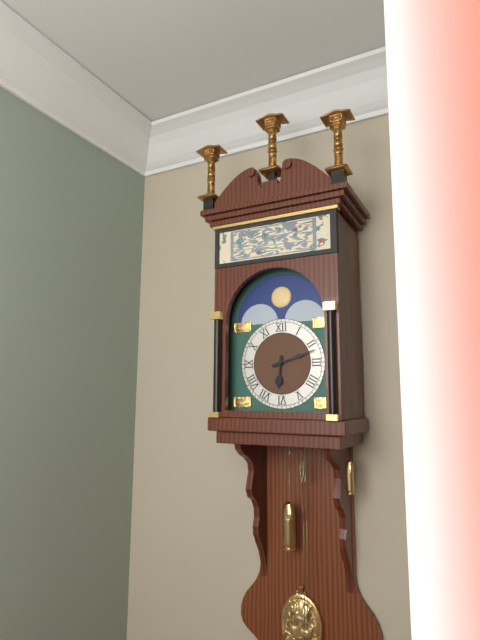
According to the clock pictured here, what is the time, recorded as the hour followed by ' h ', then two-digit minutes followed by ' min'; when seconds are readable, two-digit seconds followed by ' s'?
6 h 12 min
